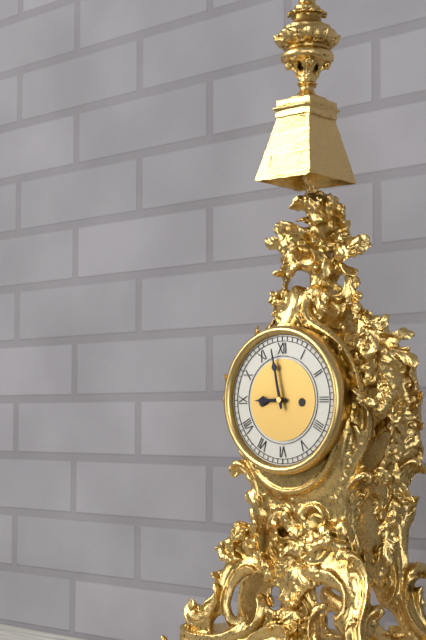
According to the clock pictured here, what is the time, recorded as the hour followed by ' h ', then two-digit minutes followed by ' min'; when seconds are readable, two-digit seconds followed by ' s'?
8 h 58 min
